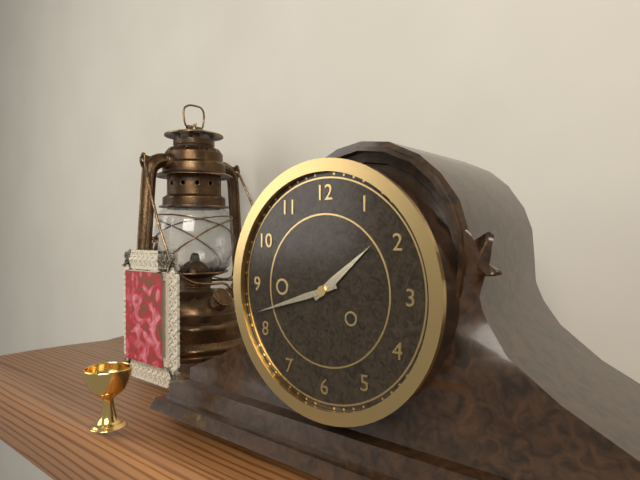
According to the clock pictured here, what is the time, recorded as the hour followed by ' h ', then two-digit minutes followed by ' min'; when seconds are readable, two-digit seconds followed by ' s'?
1 h 42 min
